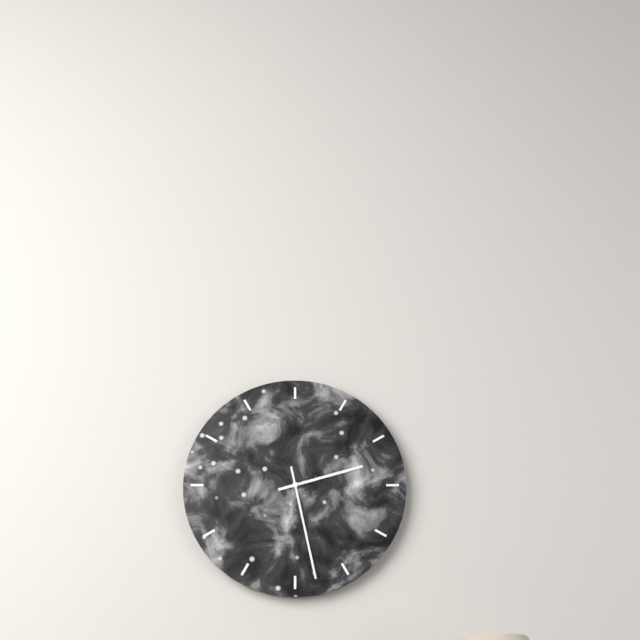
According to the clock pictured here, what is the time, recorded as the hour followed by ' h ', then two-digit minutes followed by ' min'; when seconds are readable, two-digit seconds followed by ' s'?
2 h 28 min
